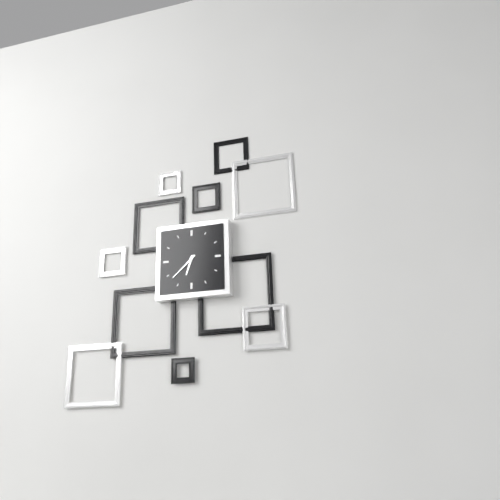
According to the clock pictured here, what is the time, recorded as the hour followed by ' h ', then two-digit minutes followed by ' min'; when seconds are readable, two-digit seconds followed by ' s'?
6 h 38 min
